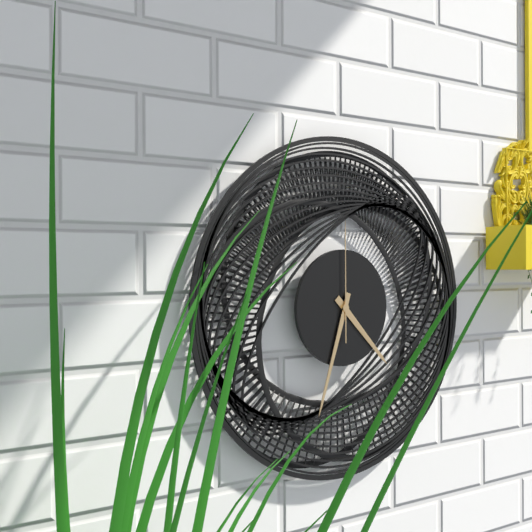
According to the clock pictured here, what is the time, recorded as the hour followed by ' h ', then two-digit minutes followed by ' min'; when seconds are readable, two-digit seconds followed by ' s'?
4 h 33 min 00 s
